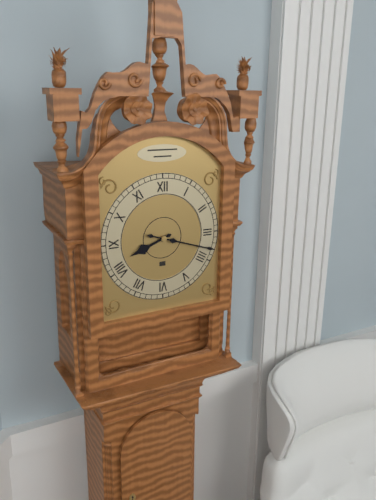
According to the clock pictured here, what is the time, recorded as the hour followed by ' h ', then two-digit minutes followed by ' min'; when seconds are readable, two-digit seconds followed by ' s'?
8 h 18 min
